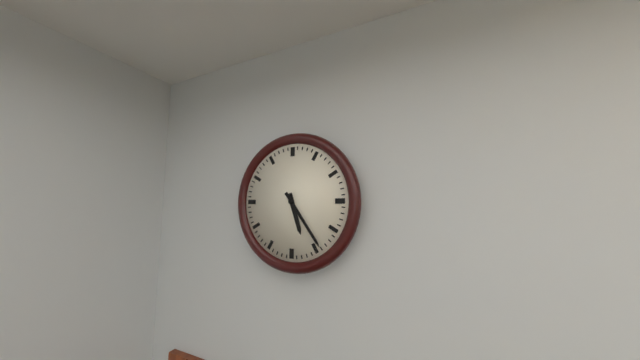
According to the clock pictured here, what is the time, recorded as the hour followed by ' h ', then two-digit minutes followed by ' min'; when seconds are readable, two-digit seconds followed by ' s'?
5 h 24 min
